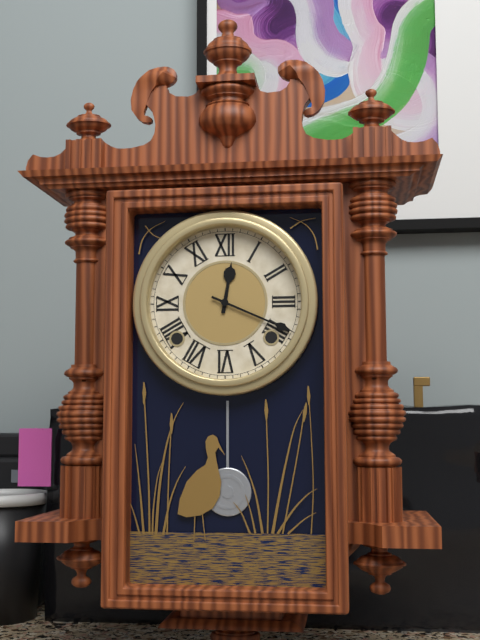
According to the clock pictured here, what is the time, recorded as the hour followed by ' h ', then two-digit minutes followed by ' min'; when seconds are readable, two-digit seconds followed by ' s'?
12 h 19 min
